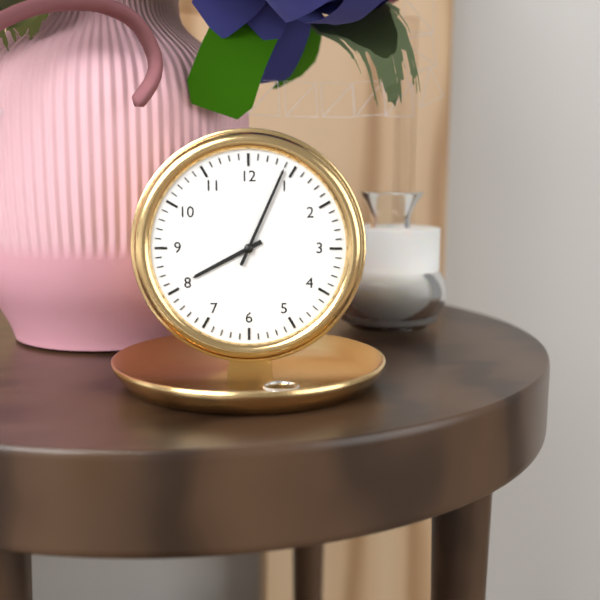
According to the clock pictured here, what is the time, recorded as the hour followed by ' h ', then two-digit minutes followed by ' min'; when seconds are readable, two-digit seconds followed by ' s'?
8 h 04 min
